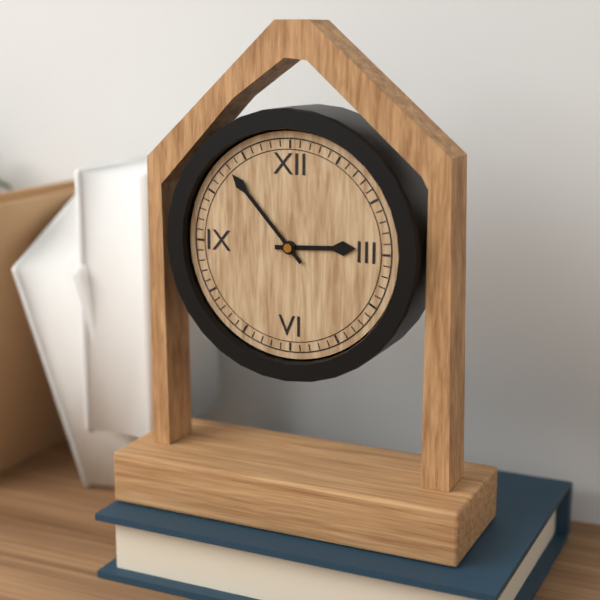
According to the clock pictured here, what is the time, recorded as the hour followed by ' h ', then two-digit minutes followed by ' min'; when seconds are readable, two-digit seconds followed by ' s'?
2 h 53 min
